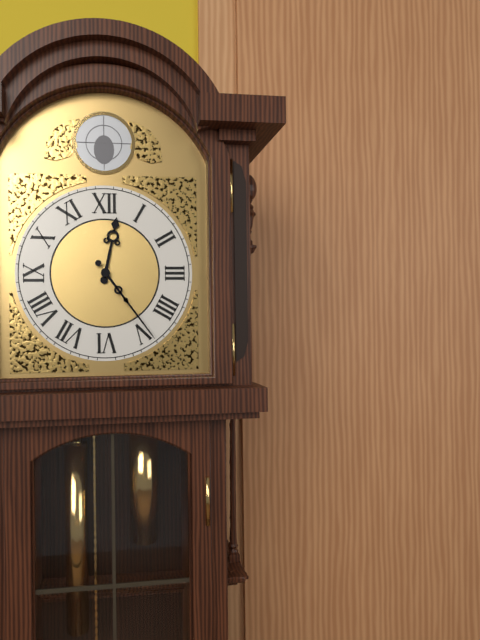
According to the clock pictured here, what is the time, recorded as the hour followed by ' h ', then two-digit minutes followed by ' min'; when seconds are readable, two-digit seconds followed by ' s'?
12 h 24 min
